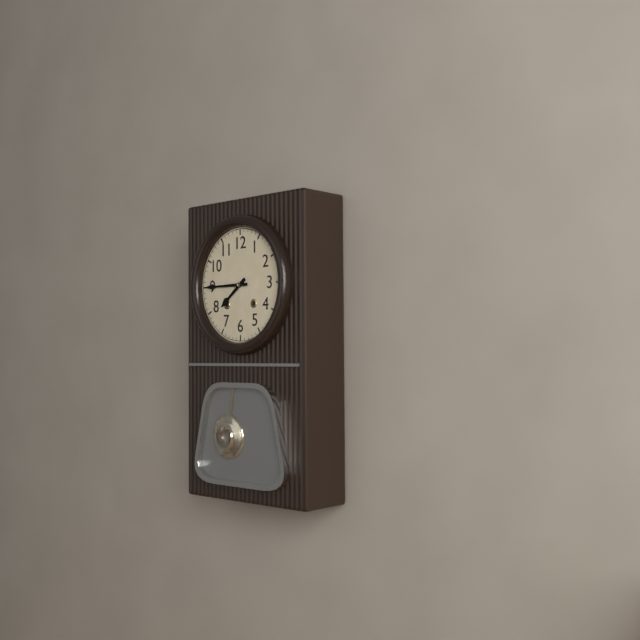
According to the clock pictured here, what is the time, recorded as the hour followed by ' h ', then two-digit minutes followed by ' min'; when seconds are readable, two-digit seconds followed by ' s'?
7 h 45 min
